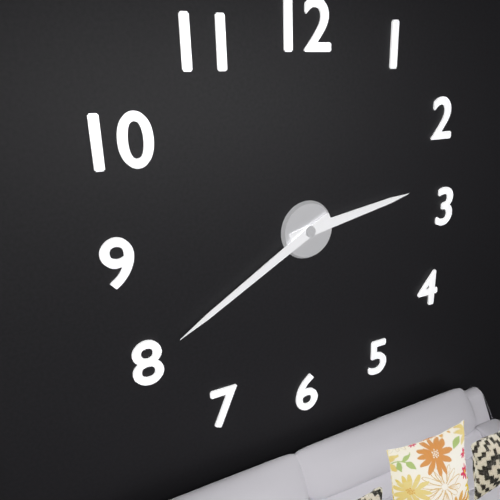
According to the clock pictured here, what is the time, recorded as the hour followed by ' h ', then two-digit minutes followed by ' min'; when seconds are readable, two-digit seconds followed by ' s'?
2 h 40 min
